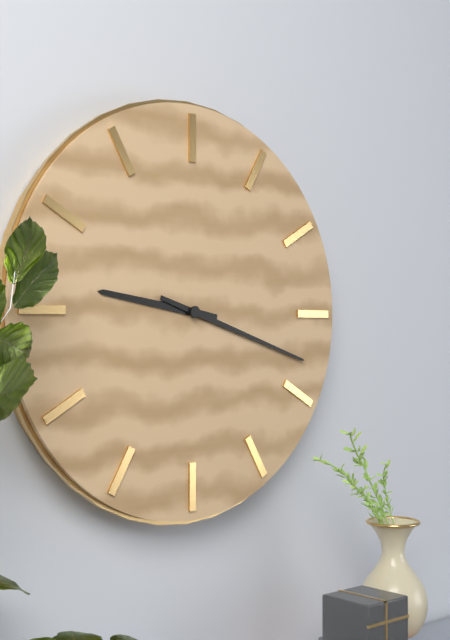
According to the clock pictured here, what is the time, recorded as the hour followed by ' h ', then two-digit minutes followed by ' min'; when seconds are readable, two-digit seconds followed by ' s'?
9 h 18 min
